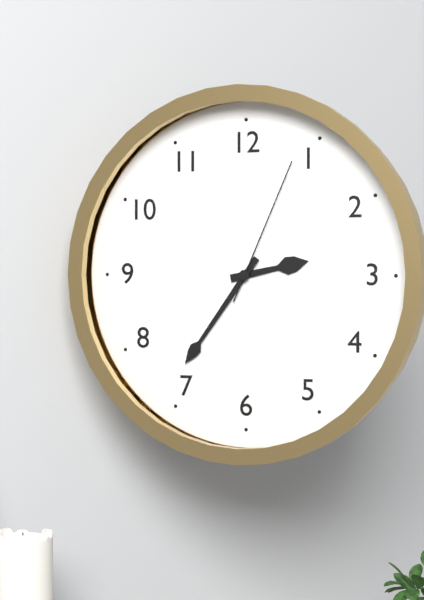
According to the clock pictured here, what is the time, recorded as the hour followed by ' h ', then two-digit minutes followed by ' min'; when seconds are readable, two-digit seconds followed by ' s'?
2 h 36 min 04 s
